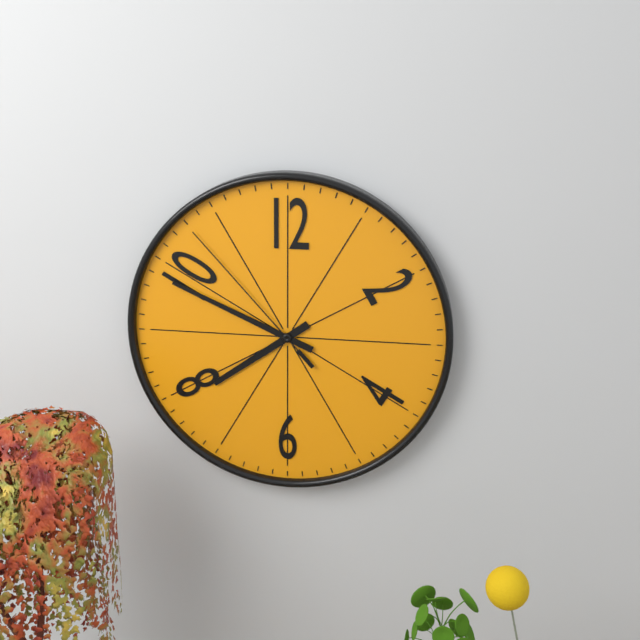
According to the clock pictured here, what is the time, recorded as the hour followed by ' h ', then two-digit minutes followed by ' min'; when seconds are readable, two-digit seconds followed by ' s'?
7 h 49 min 53 s
